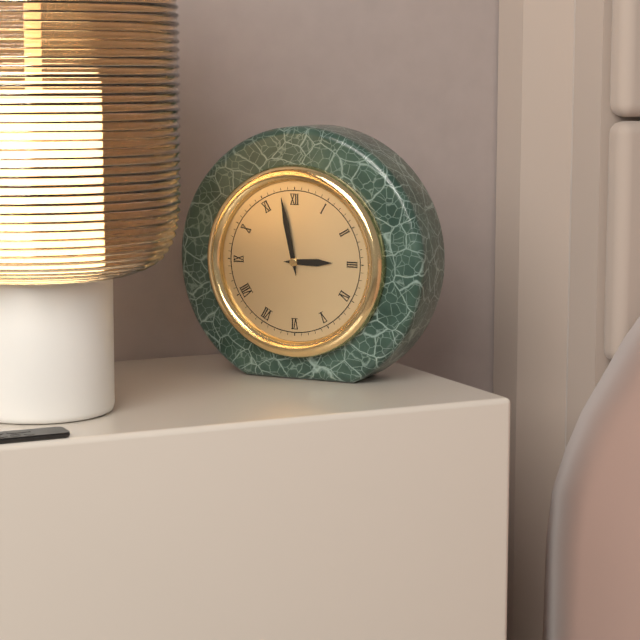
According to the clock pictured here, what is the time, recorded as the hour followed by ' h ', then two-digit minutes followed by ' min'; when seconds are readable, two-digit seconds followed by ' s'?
2 h 58 min
